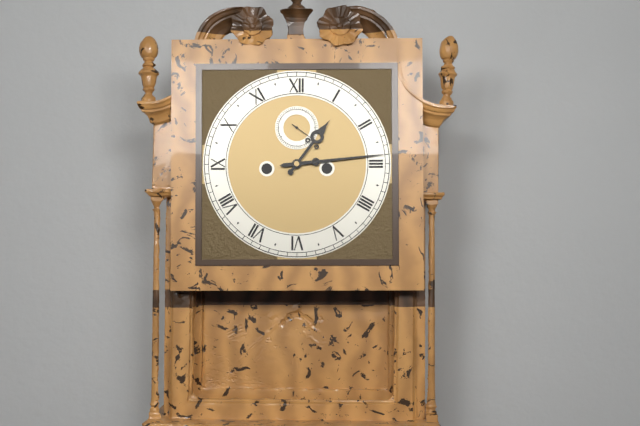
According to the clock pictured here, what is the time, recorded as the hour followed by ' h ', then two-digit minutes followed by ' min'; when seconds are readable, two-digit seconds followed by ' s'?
1 h 14 min
